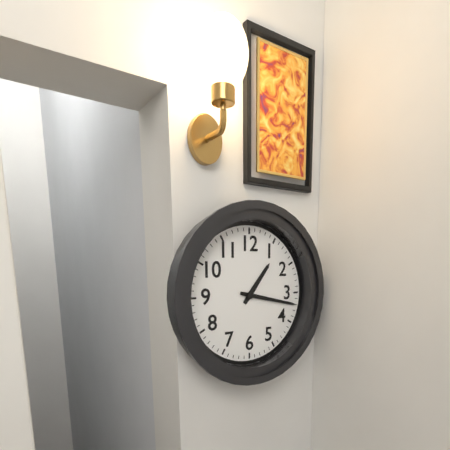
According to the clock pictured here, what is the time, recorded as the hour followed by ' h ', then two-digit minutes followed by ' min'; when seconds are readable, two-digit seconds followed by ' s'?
1 h 17 min
